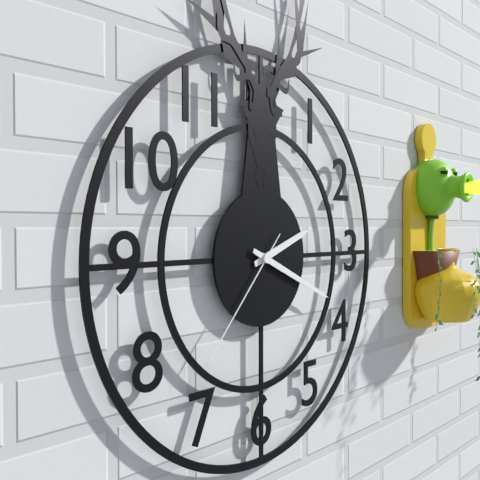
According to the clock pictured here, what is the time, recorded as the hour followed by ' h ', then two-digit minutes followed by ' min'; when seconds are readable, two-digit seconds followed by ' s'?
2 h 19 min 37 s
